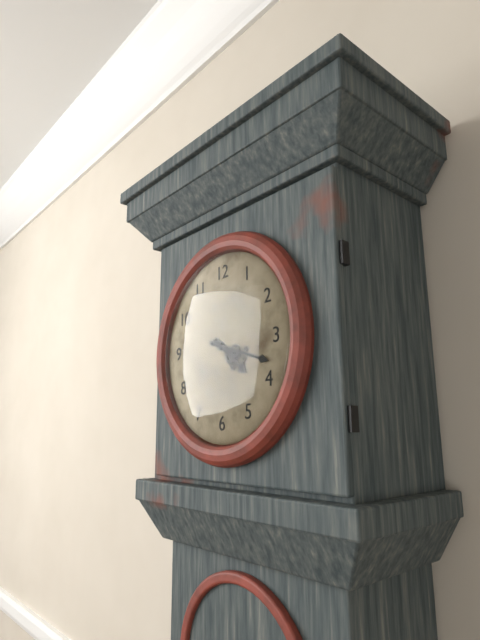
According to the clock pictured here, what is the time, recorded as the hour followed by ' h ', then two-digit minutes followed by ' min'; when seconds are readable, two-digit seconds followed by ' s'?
4 h 18 min
